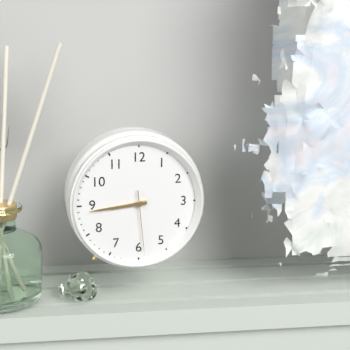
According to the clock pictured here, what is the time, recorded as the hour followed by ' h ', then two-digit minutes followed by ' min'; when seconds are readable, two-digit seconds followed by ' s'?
8 h 44 min 29 s
